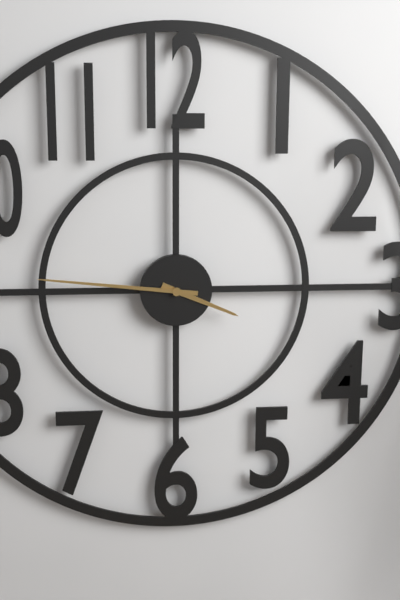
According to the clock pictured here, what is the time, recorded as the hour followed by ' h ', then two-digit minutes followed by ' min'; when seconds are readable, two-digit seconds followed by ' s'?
3 h 46 min
